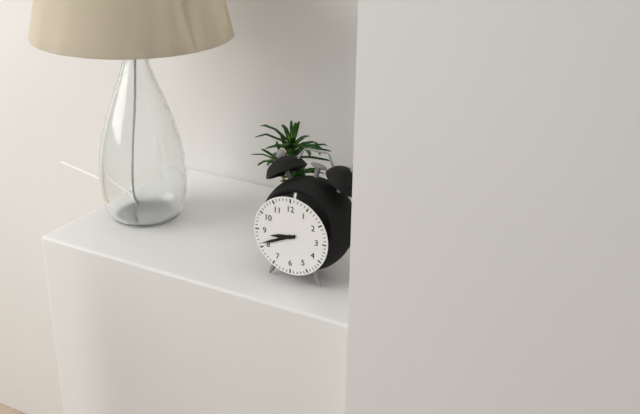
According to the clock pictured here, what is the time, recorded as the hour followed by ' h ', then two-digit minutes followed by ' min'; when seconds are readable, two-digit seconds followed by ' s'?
8 h 41 min
